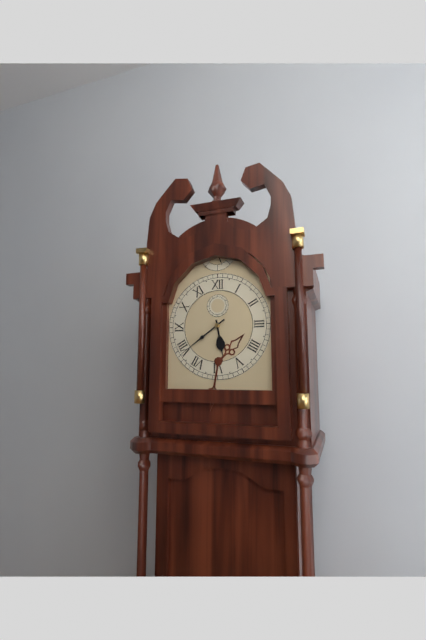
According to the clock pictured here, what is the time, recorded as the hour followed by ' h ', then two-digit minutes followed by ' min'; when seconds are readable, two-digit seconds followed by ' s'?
5 h 39 min
